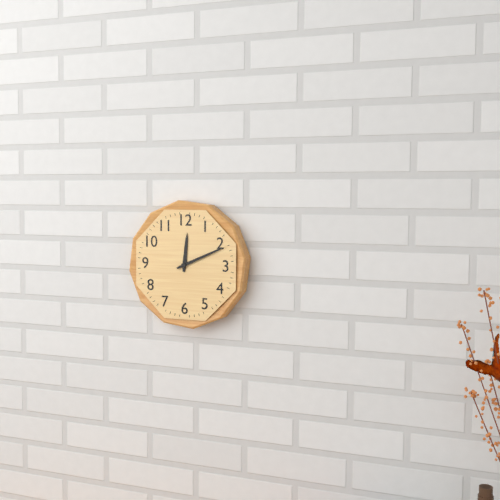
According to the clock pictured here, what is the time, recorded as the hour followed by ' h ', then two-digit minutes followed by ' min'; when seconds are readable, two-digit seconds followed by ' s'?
12 h 11 min
